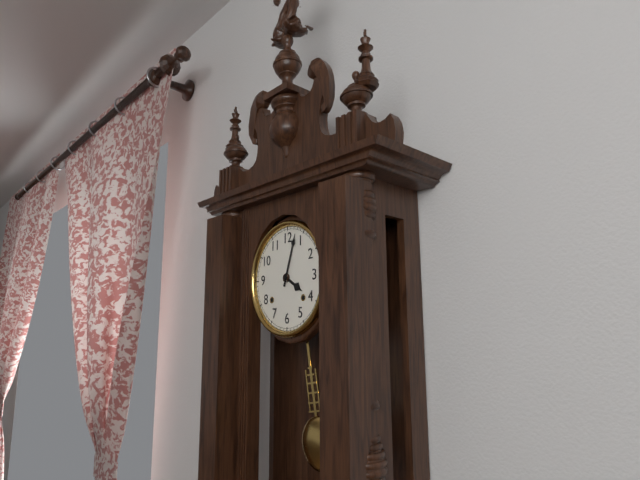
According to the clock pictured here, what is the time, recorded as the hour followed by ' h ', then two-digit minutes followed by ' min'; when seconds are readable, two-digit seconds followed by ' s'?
4 h 03 min
